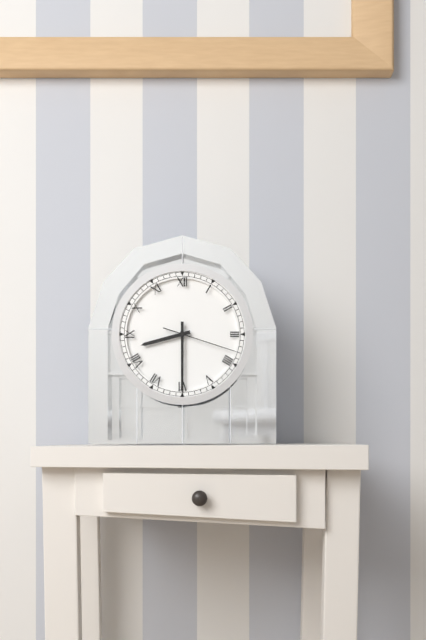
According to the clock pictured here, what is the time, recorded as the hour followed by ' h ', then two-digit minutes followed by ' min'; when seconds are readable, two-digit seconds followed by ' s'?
8 h 30 min 18 s
